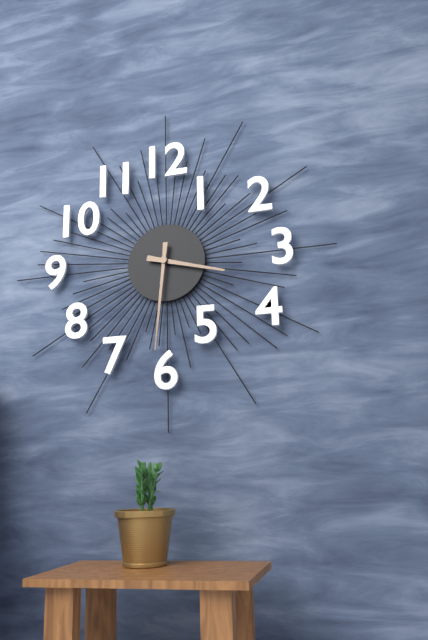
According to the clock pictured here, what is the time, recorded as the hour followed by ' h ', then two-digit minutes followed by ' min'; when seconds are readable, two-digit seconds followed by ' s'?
3 h 31 min
